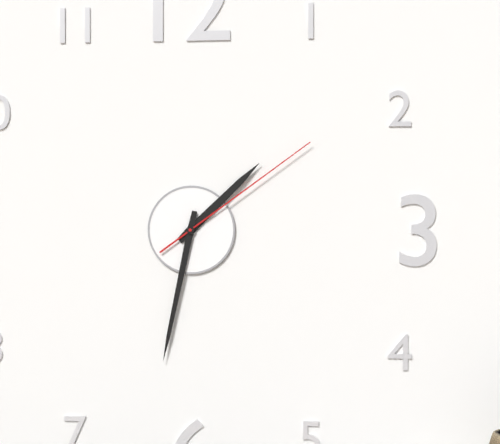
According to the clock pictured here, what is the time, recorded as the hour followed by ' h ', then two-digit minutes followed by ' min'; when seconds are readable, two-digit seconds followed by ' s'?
1 h 32 min 09 s
